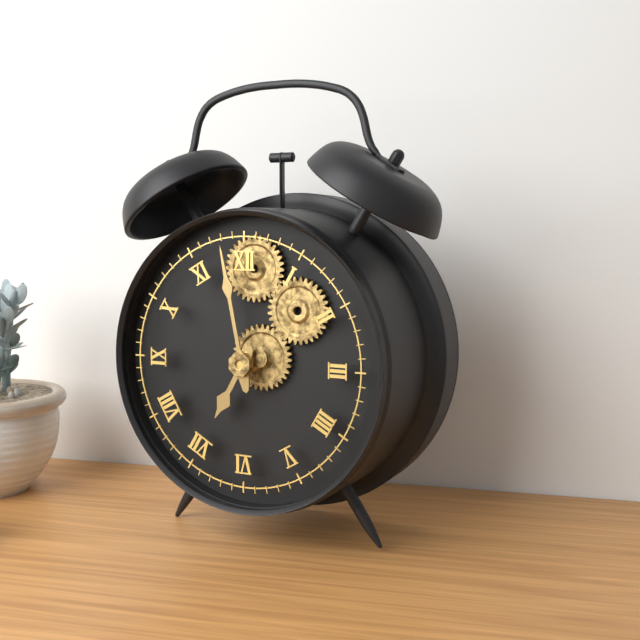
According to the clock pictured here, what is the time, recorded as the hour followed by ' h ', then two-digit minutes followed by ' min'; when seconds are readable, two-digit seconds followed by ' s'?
6 h 58 min
